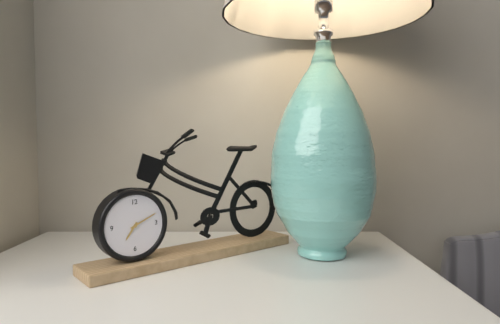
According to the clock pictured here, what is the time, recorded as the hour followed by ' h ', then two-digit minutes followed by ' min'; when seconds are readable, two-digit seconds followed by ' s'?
7 h 11 min
